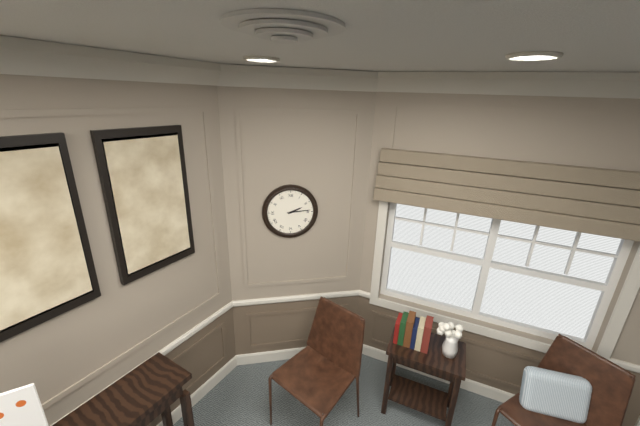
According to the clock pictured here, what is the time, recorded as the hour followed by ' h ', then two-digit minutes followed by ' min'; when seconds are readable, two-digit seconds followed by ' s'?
2 h 14 min
